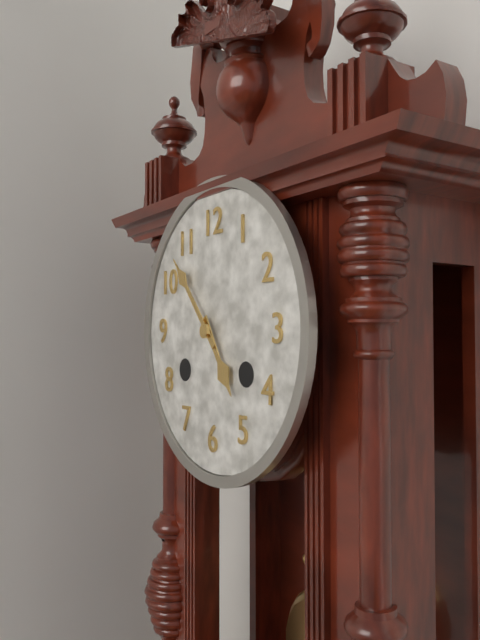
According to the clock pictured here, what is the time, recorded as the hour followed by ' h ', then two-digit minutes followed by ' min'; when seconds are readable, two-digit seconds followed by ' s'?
4 h 53 min
